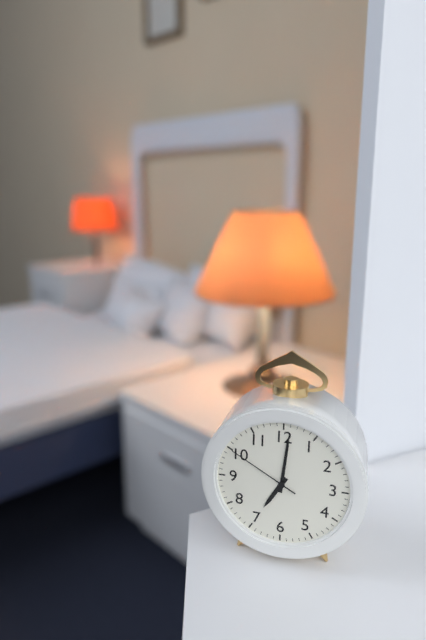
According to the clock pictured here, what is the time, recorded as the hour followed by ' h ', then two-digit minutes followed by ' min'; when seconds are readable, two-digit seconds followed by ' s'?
7 h 01 min 50 s
